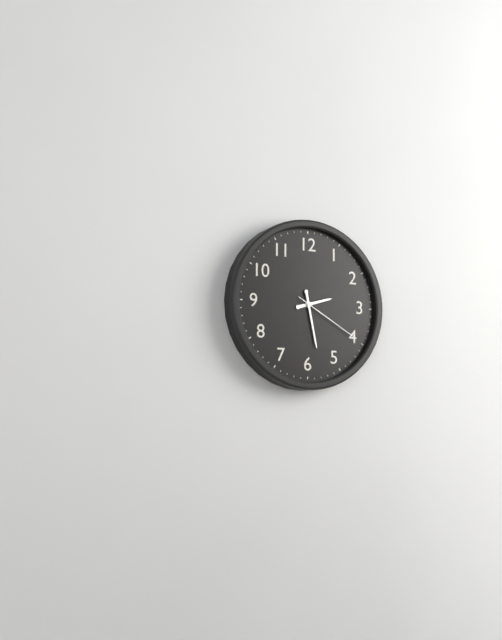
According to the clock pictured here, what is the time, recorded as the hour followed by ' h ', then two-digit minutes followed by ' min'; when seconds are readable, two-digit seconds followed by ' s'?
2 h 28 min 20 s
